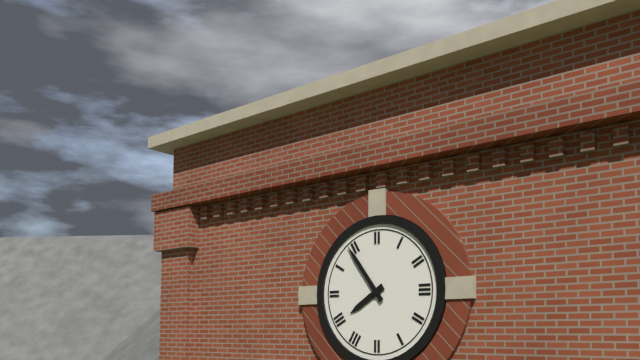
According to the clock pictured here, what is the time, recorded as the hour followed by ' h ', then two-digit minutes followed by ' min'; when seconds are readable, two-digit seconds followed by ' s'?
7 h 54 min
